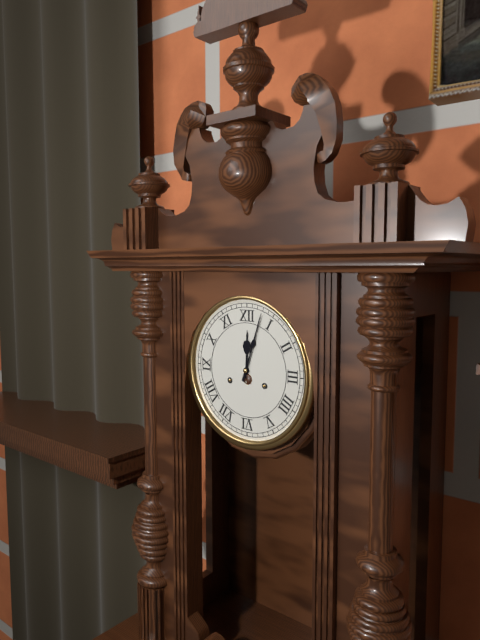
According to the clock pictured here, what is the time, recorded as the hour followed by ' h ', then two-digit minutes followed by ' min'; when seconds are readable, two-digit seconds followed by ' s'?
12 h 03 min
